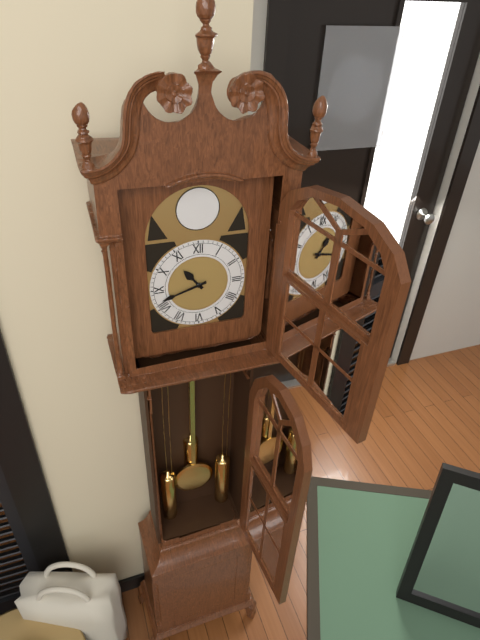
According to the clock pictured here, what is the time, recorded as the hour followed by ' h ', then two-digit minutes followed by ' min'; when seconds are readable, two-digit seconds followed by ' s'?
10 h 42 min
